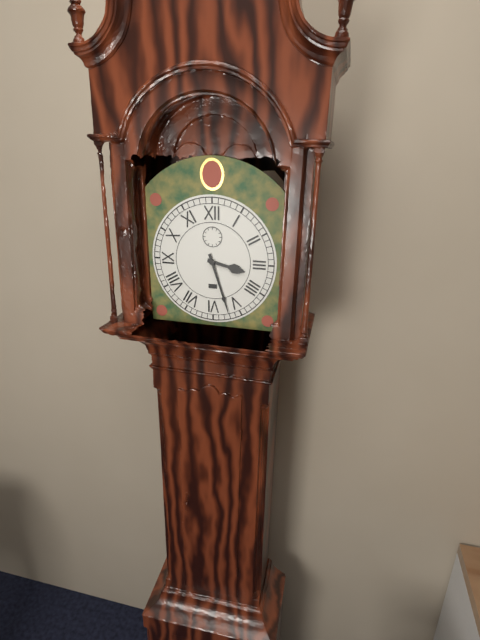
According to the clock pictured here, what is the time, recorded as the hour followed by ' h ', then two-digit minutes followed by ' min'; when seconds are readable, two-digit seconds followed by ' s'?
3 h 27 min
